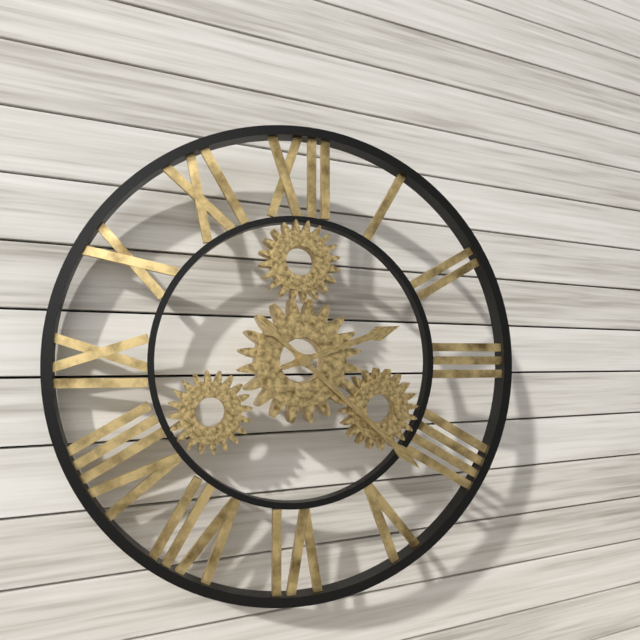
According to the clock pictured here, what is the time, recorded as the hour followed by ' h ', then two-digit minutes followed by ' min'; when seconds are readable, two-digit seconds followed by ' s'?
2 h 22 min
